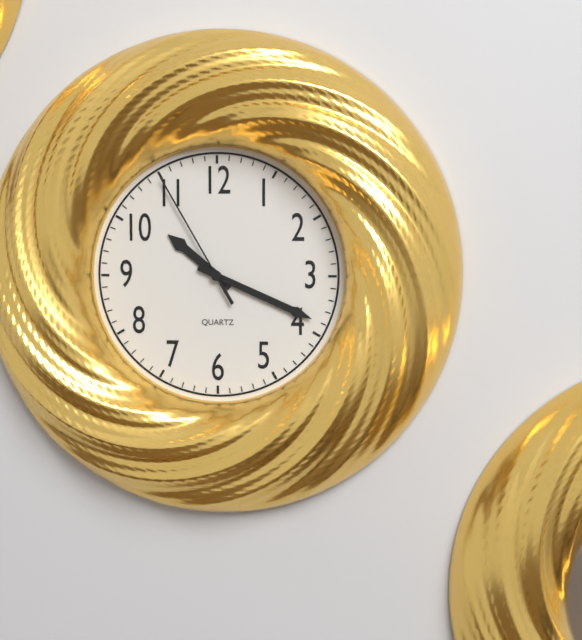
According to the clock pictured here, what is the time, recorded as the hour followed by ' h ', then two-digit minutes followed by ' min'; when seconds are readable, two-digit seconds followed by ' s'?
10 h 19 min 55 s
